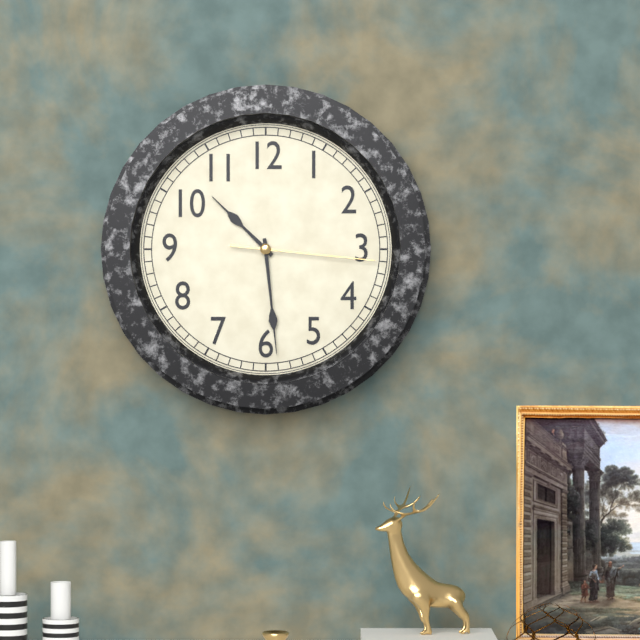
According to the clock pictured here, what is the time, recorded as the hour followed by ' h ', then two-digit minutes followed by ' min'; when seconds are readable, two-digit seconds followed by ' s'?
10 h 29 min 16 s
